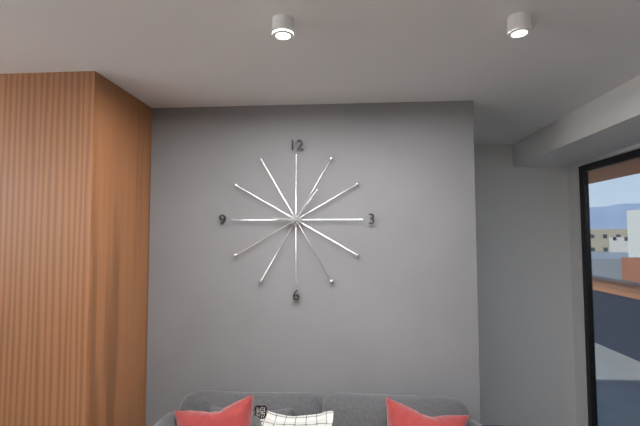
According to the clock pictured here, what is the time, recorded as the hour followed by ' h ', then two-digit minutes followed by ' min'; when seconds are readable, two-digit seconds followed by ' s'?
9 h 06 min
